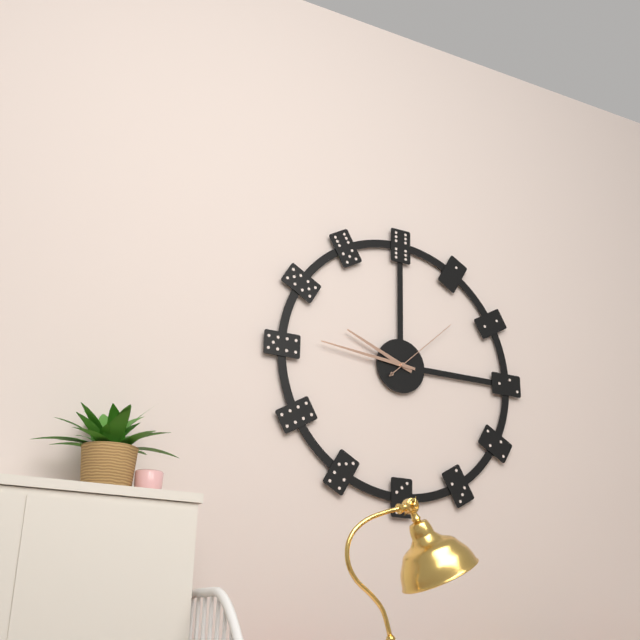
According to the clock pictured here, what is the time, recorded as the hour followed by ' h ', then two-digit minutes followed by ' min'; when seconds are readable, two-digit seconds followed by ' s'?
9 h 46 min 08 s
